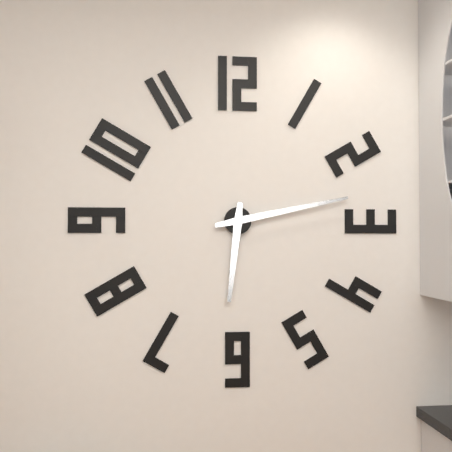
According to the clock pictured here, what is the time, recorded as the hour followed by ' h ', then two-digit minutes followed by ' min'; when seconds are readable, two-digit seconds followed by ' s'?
6 h 13 min
